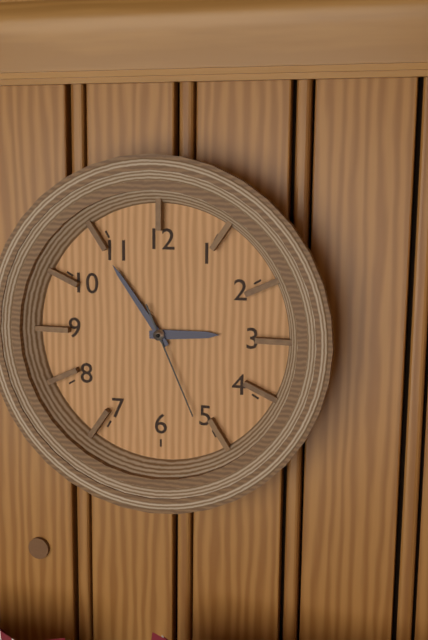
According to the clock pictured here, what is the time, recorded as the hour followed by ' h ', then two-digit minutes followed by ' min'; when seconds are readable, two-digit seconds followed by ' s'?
2 h 54 min 26 s
